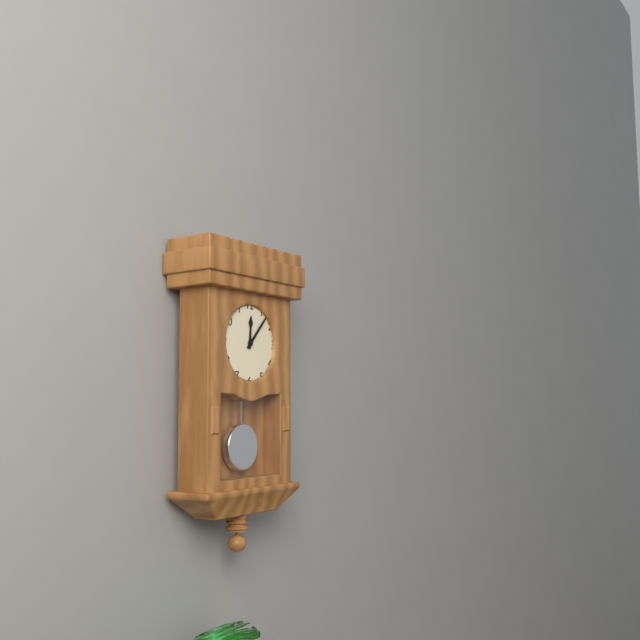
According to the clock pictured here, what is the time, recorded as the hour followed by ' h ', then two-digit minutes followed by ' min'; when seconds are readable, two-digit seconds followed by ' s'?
12 h 07 min
